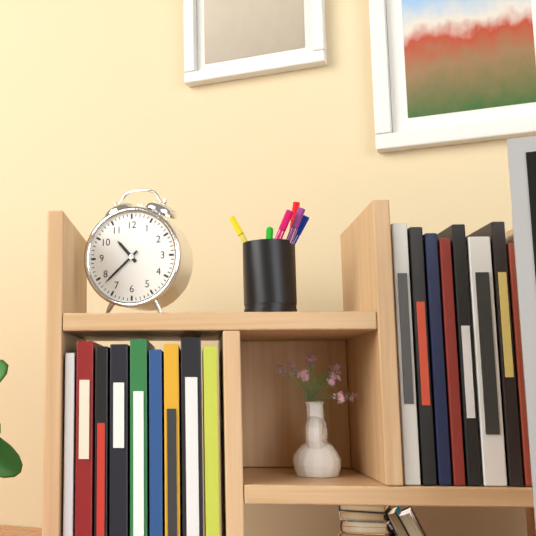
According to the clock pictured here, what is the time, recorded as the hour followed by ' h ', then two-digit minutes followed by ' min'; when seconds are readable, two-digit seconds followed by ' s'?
10 h 38 min
